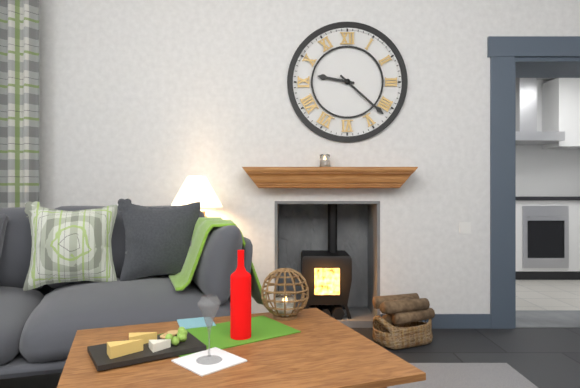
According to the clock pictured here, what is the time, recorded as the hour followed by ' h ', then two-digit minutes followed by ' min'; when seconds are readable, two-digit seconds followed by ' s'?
9 h 22 min
